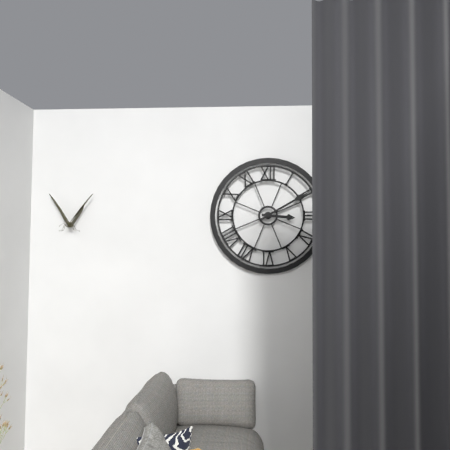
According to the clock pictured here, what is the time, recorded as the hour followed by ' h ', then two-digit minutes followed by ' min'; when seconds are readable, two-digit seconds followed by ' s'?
3 h 10 min
